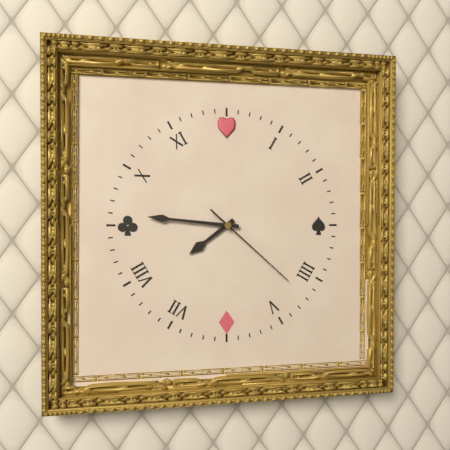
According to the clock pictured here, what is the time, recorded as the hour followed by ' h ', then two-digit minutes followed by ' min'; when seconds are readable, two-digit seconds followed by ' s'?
7 h 46 min 22 s
